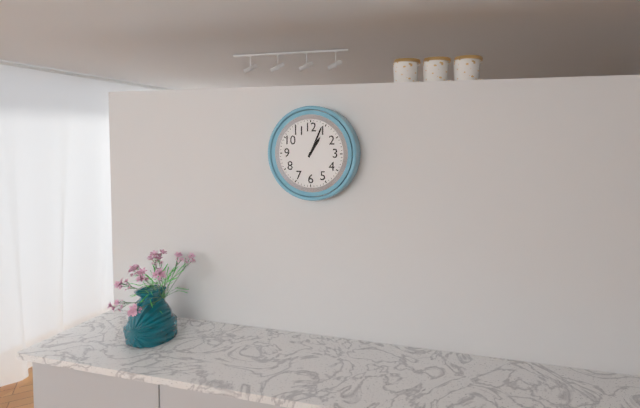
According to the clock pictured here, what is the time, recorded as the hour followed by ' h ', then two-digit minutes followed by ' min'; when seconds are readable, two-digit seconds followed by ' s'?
1 h 04 min
